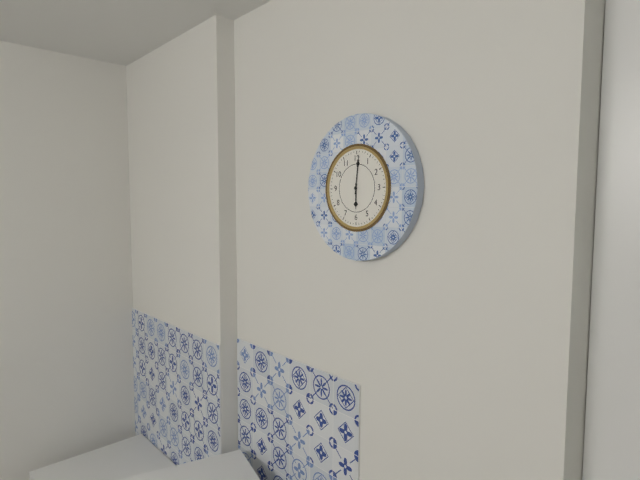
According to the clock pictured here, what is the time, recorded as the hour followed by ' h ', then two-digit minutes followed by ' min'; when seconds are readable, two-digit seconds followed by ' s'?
6 h 01 min
